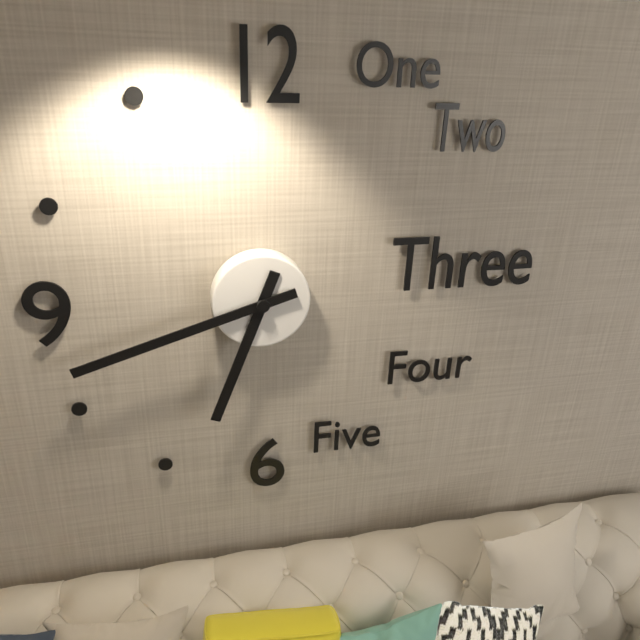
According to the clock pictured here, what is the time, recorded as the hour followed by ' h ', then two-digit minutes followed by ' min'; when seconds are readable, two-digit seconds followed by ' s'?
6 h 42 min
